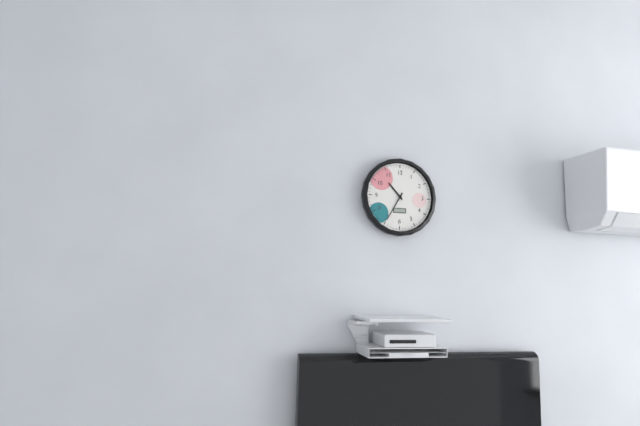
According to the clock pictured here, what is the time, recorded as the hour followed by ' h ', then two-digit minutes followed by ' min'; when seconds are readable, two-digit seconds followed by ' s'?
10 h 35 min
